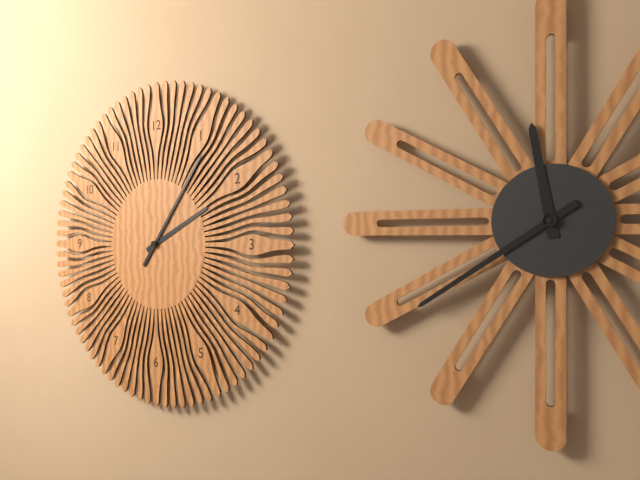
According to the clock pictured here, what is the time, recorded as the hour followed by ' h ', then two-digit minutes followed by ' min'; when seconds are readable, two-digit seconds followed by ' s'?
2 h 06 min
